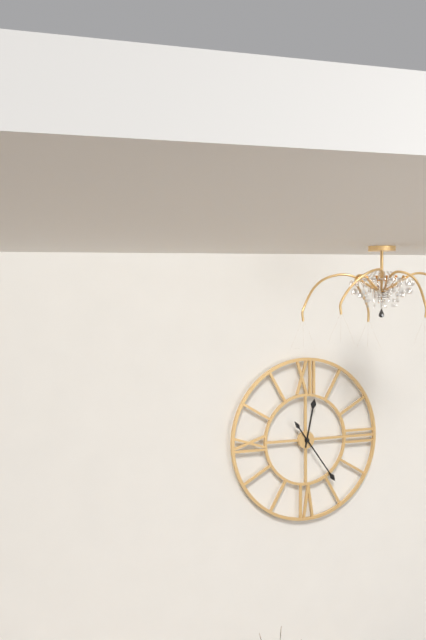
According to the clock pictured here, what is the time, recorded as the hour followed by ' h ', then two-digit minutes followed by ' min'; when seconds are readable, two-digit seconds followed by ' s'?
12 h 24 min
